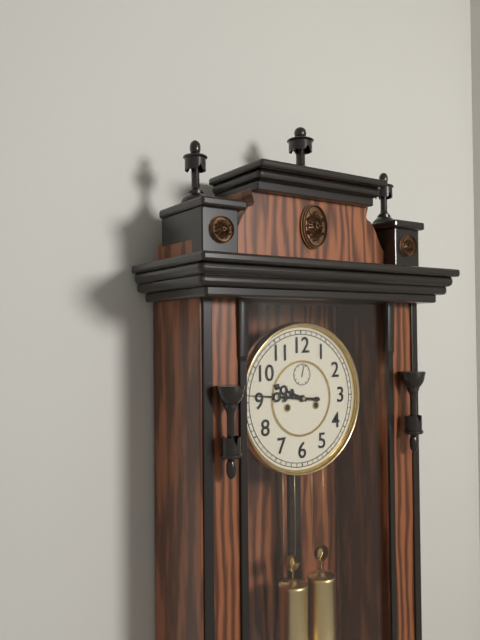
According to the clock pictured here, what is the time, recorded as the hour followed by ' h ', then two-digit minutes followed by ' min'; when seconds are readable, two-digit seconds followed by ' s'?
9 h 46 min
